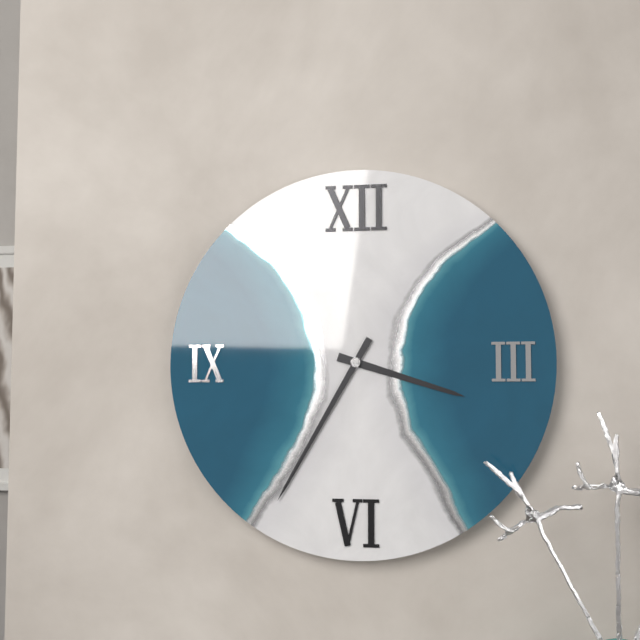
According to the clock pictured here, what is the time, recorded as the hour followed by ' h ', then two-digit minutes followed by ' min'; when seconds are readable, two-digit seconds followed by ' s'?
3 h 35 min
